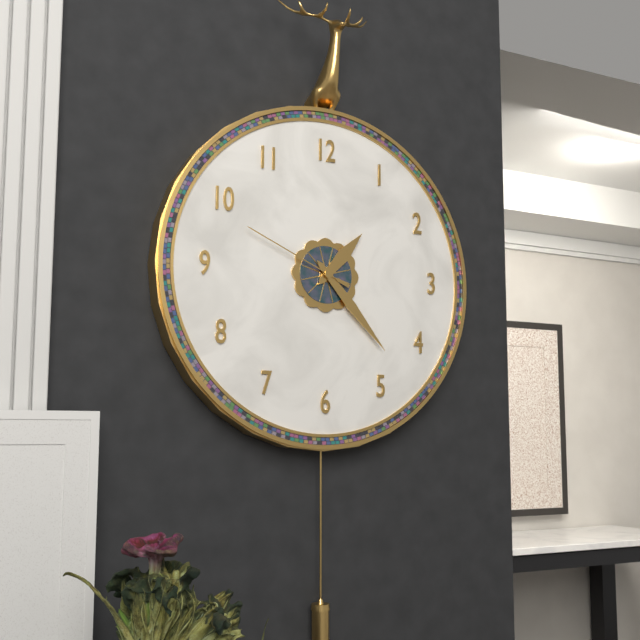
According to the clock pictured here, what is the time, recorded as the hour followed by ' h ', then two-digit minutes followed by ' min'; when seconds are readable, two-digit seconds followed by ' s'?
1 h 23 min 49 s
